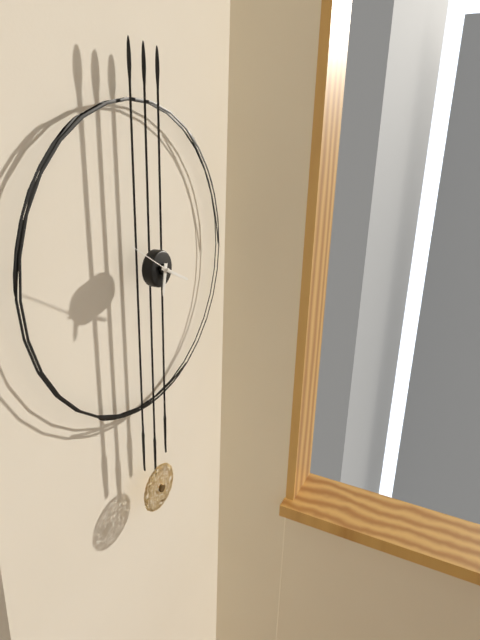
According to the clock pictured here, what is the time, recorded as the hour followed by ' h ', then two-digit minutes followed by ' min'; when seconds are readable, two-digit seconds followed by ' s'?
6 h 19 min 50 s
